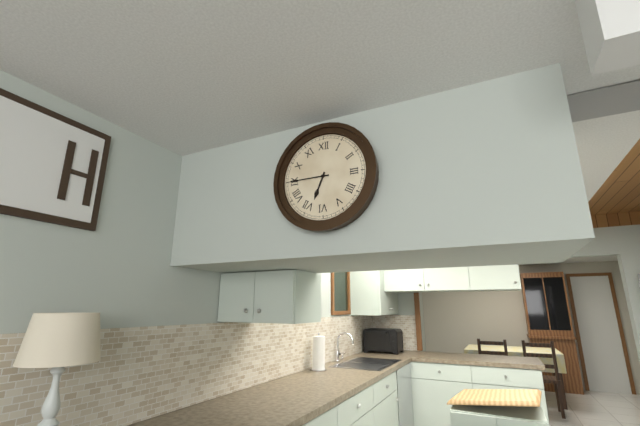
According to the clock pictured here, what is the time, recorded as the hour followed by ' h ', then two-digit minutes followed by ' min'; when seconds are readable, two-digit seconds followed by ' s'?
6 h 45 min
